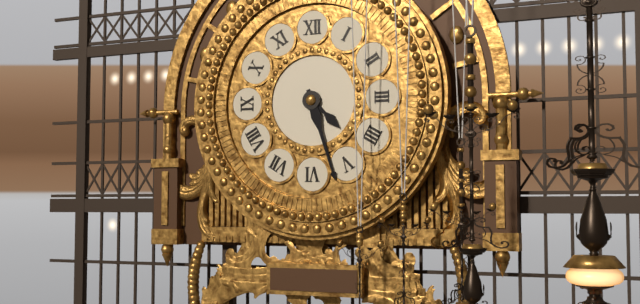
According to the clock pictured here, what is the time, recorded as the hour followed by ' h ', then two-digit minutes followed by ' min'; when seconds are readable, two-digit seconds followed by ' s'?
4 h 27 min
